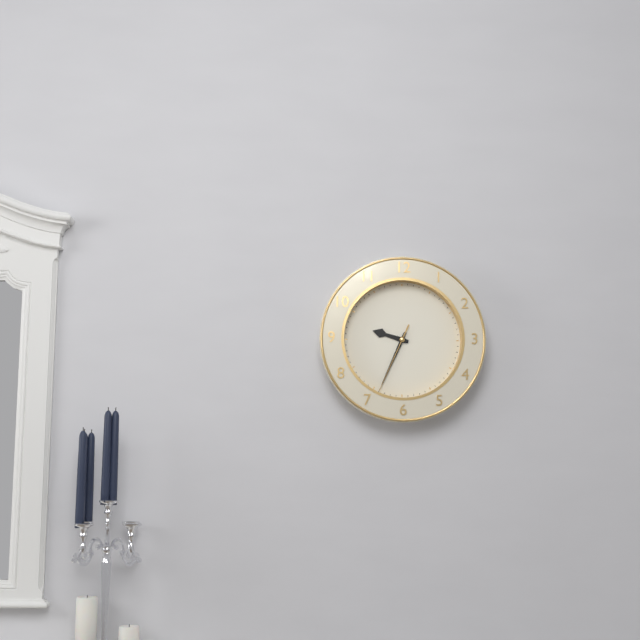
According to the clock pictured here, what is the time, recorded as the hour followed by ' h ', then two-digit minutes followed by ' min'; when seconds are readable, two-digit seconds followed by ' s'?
9 h 34 min 34 s
